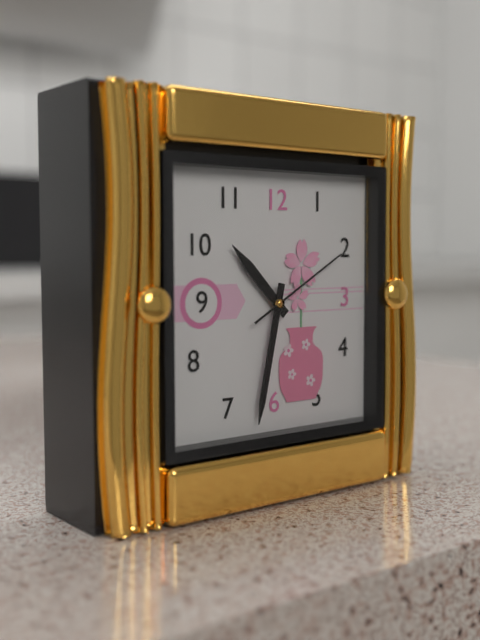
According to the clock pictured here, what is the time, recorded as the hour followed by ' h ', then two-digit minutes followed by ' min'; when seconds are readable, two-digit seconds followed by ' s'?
10 h 32 min 10 s
